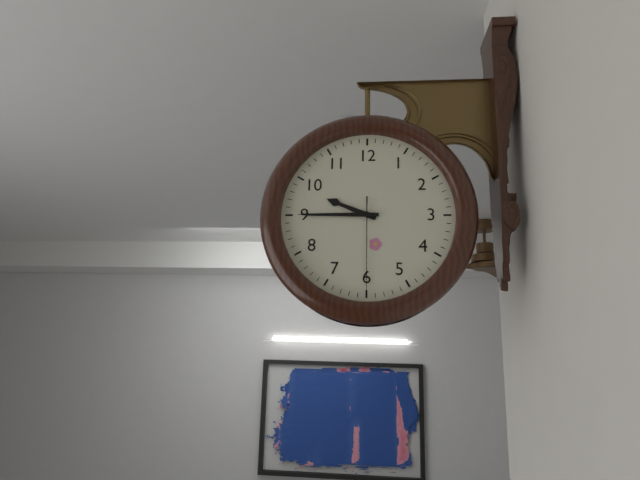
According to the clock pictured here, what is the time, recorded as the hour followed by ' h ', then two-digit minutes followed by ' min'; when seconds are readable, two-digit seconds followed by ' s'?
9 h 45 min 30 s
